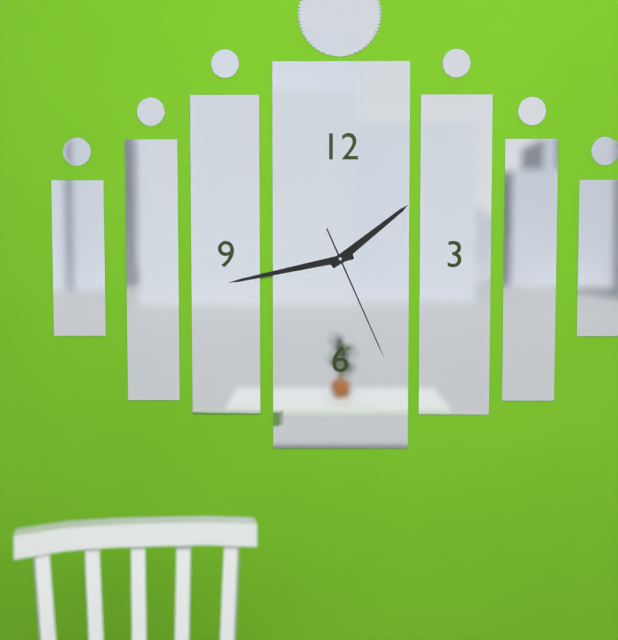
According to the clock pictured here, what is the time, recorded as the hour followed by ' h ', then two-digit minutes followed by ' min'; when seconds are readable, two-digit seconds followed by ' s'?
1 h 43 min 26 s
